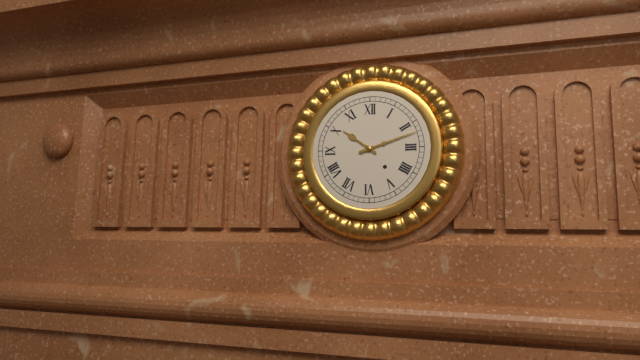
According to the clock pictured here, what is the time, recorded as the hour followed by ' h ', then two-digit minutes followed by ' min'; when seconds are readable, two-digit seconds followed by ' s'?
10 h 12 min
